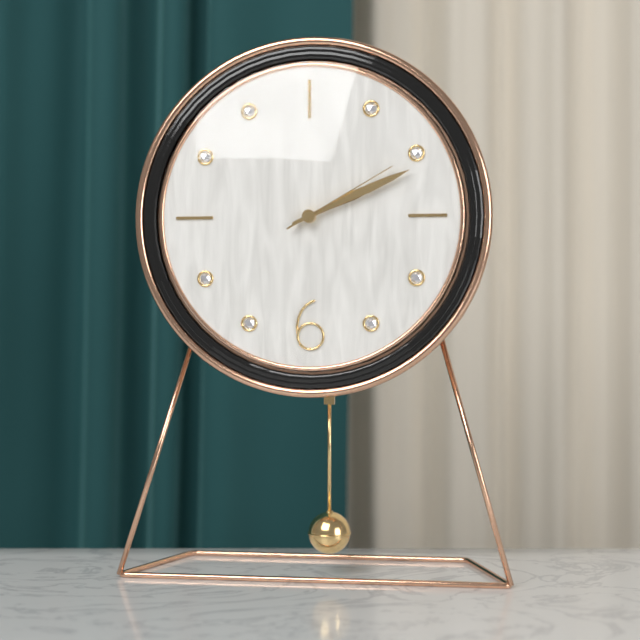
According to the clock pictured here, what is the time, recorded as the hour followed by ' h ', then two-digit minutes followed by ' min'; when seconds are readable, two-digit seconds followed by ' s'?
2 h 11 min 10 s
